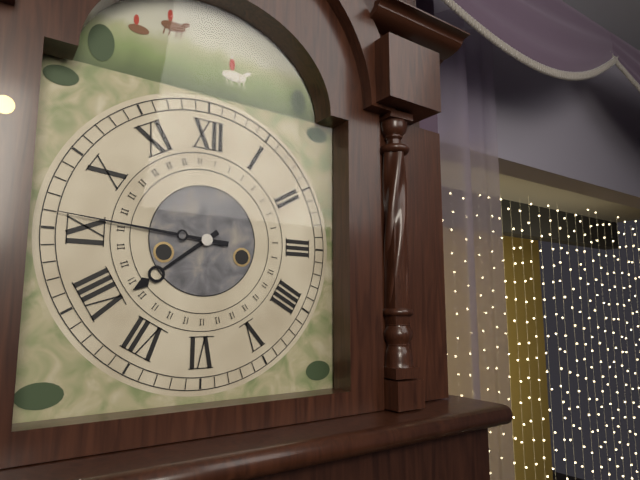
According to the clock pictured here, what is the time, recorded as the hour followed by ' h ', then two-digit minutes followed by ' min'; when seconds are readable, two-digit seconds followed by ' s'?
7 h 46 min
